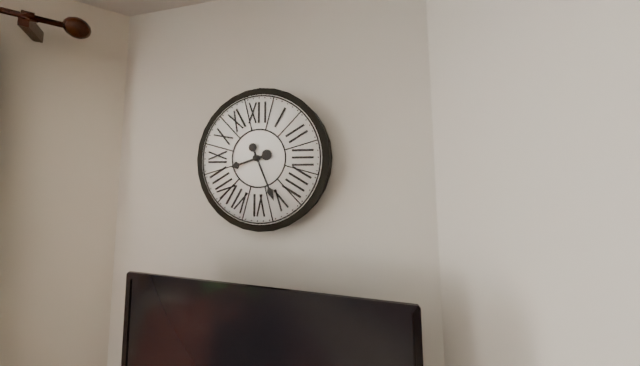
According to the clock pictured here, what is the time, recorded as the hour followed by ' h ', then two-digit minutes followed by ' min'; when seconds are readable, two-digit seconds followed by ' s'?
8 h 26 min
